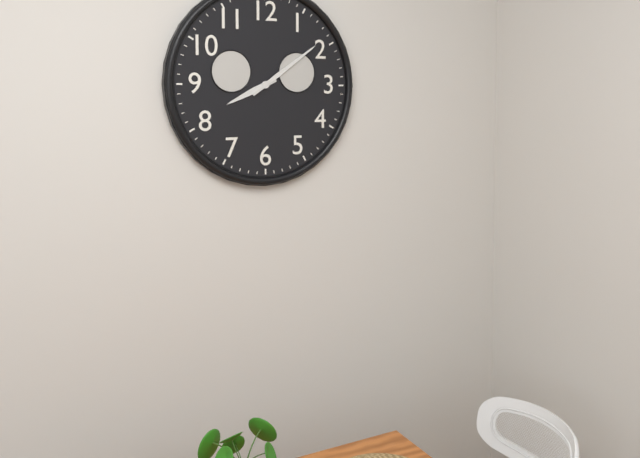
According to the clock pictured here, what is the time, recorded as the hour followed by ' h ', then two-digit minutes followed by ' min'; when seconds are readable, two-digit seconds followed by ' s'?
8 h 09 min
